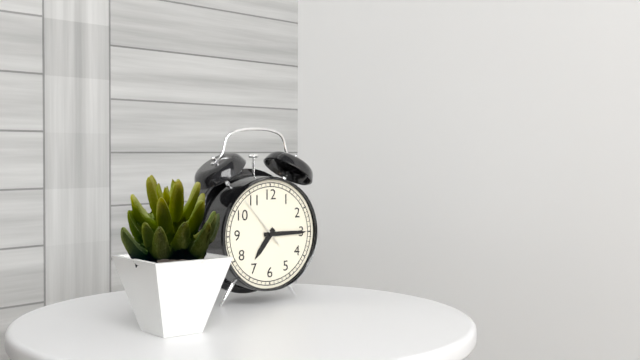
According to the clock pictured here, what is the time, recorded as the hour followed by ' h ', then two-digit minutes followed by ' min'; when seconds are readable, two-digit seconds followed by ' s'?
7 h 15 min 53 s
